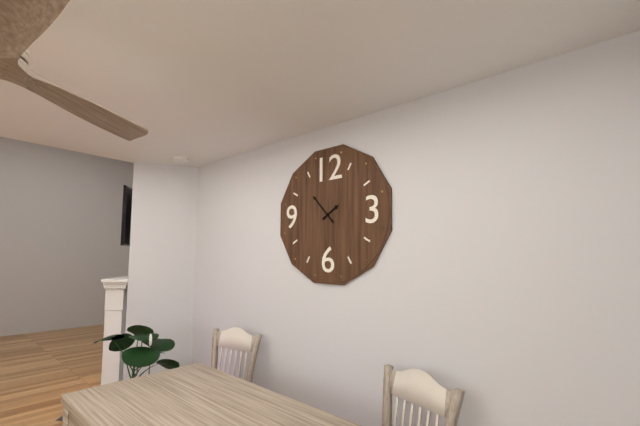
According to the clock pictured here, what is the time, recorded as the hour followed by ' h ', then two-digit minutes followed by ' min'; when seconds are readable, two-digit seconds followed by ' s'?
1 h 53 min
